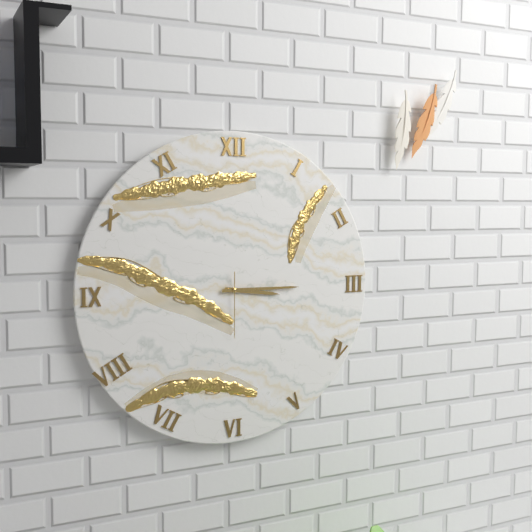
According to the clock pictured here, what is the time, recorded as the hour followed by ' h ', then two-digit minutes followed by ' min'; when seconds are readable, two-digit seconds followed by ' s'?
3 h 15 min 30 s
